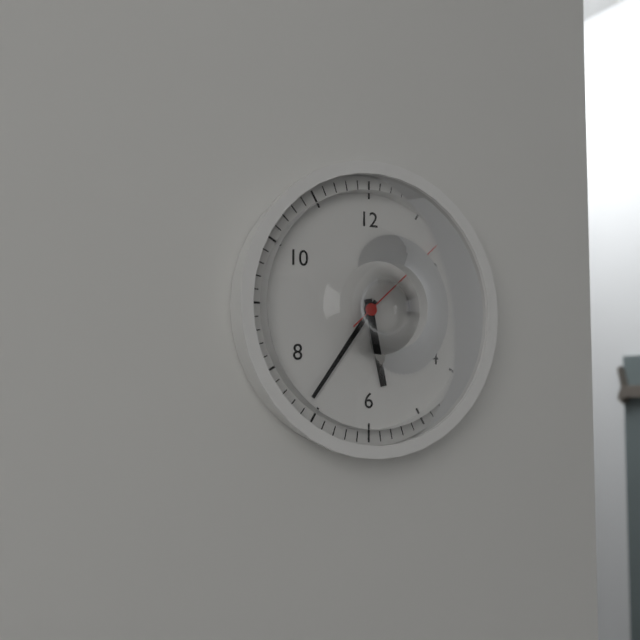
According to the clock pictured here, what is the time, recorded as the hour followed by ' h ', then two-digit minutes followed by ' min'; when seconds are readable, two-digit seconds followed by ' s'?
5 h 36 min 08 s
